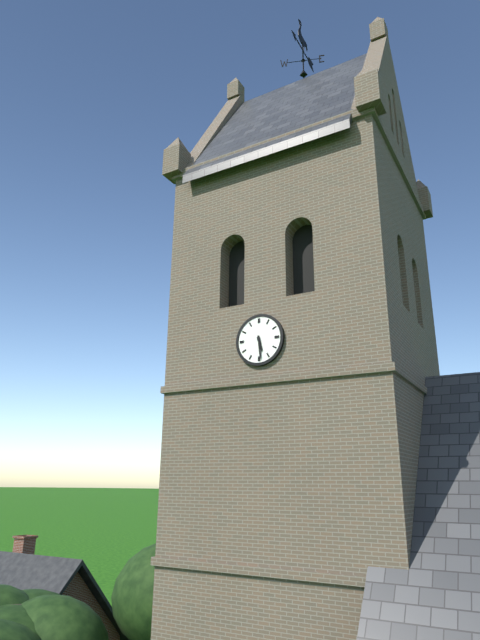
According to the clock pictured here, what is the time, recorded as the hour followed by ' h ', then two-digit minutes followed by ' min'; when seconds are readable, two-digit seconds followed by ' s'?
5 h 29 min
